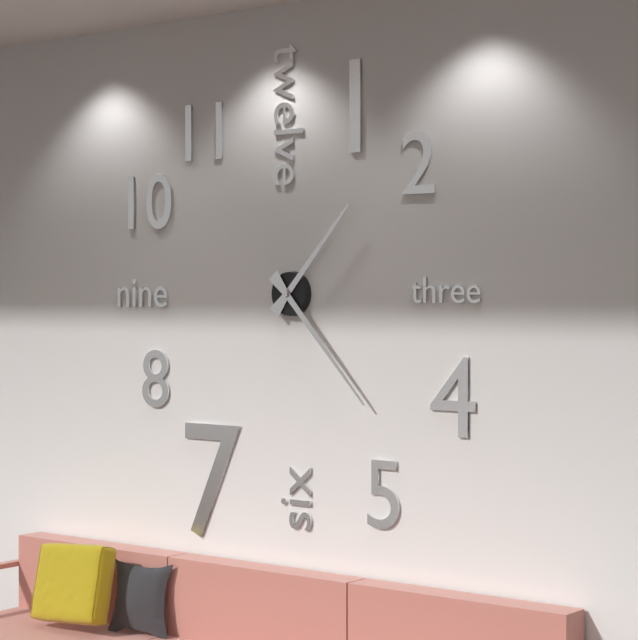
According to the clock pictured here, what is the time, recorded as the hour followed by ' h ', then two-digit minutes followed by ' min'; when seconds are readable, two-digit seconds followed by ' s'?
1 h 23 min
